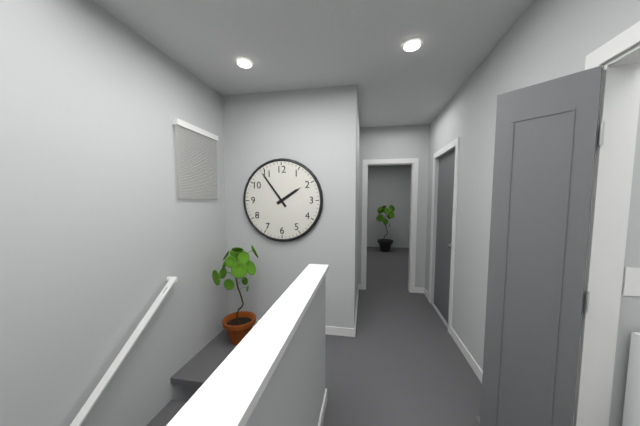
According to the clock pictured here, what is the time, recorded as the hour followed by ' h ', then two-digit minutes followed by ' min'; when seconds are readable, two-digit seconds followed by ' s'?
1 h 54 min
